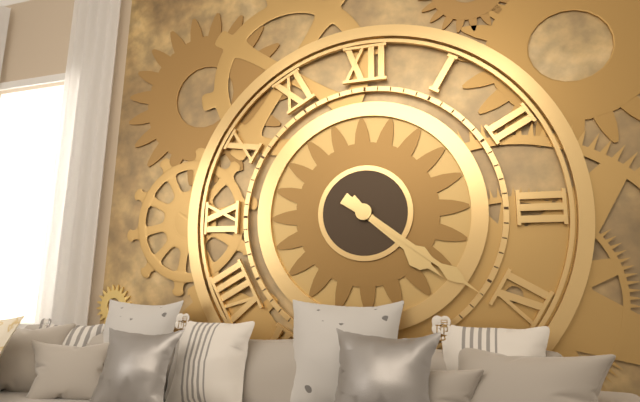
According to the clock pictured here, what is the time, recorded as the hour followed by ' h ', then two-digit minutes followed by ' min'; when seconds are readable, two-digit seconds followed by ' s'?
4 h 21 min
